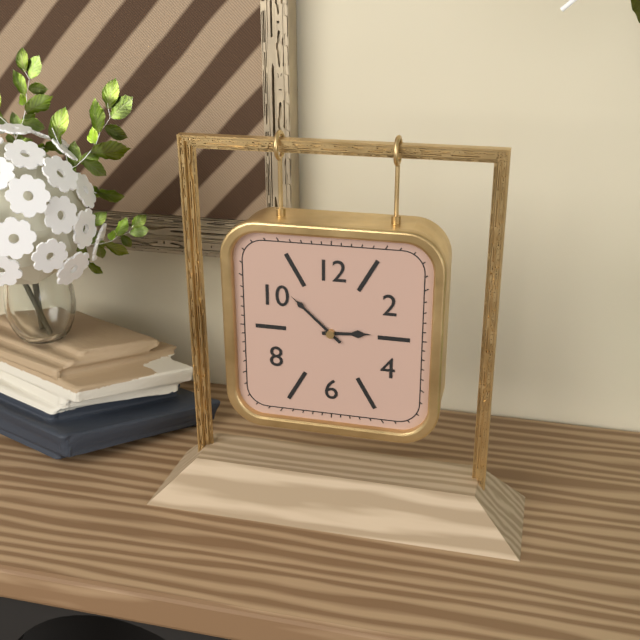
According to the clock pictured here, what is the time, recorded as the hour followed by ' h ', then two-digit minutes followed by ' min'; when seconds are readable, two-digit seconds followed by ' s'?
2 h 52 min
